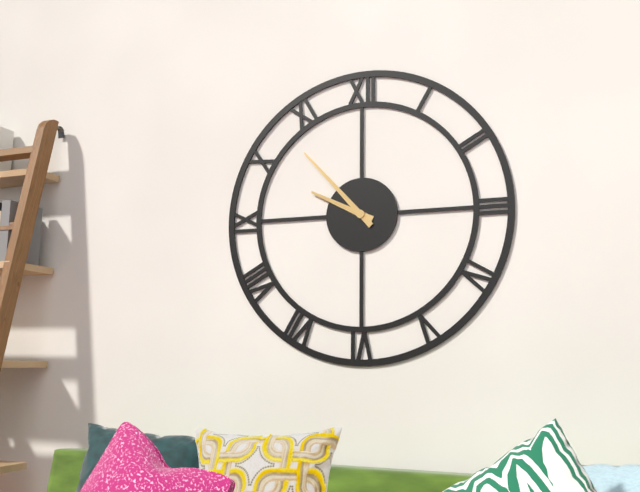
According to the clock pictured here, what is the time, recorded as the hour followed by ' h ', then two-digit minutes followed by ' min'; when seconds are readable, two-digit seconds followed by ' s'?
9 h 53 min
